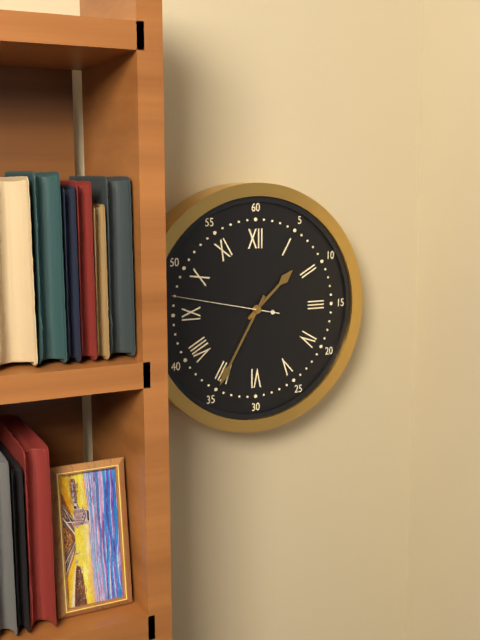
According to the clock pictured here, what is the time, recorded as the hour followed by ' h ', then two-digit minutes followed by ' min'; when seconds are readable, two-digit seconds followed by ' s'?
1 h 35 min 47 s
